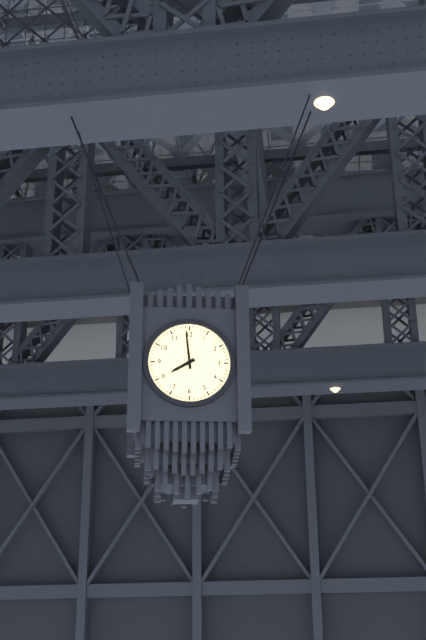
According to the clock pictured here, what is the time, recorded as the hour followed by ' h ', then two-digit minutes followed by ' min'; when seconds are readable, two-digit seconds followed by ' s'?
7 h 59 min
